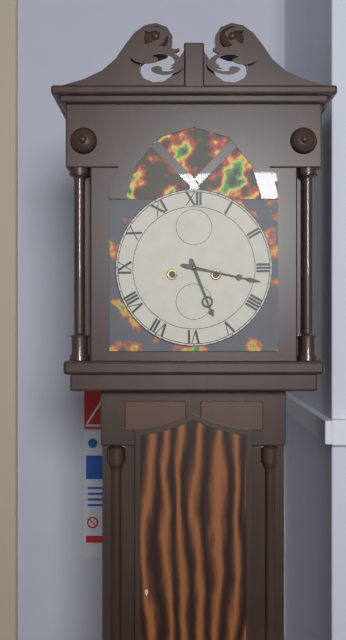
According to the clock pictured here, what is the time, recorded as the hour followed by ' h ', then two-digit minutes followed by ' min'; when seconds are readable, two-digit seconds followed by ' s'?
5 h 17 min
